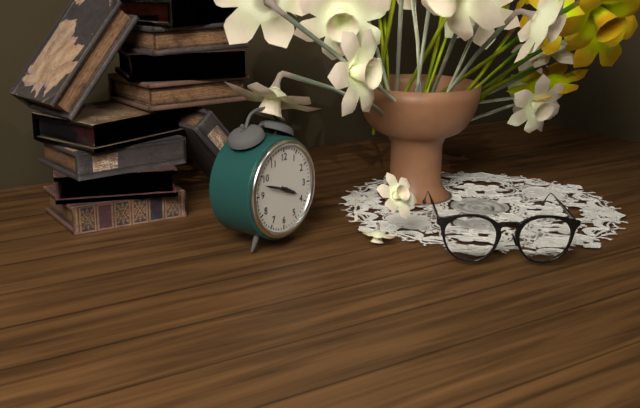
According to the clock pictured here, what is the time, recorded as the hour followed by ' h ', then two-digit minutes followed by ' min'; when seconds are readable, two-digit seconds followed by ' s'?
3 h 48 min
